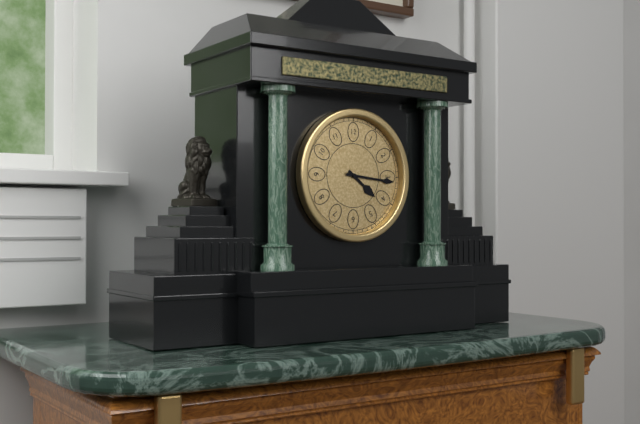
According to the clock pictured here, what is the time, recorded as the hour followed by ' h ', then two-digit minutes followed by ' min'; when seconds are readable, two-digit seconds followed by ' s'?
4 h 16 min
